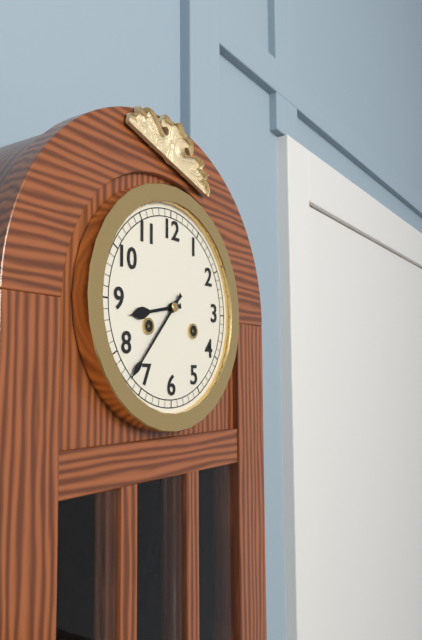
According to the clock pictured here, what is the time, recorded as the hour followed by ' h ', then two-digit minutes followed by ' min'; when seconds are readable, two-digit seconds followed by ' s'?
8 h 37 min
